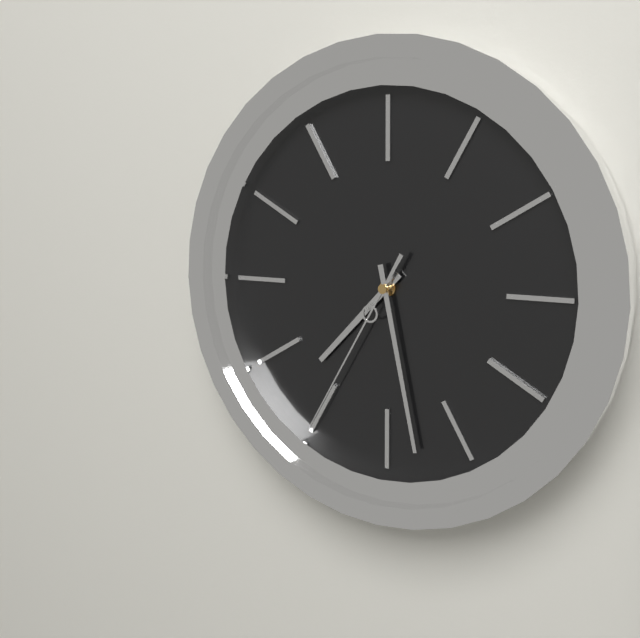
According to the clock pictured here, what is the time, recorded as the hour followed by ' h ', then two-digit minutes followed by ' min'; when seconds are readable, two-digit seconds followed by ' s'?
7 h 28 min 35 s
